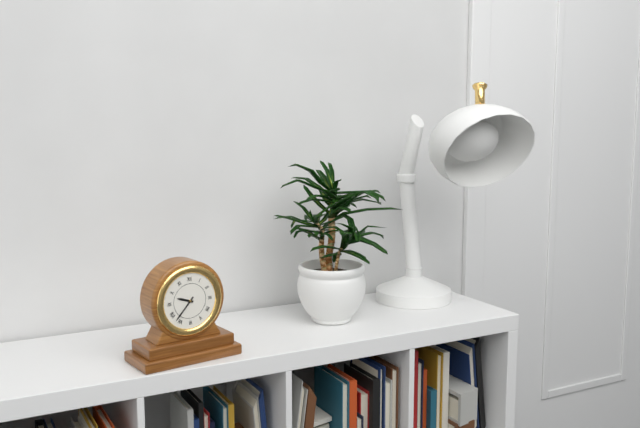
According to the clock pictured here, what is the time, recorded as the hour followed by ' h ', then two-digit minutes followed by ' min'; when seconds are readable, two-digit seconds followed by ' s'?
9 h 37 min
